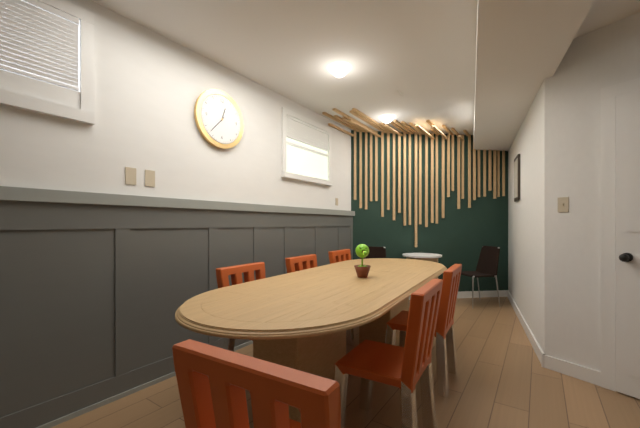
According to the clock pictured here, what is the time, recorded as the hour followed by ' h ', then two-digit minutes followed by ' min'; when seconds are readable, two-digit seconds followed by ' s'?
12 h 37 min
